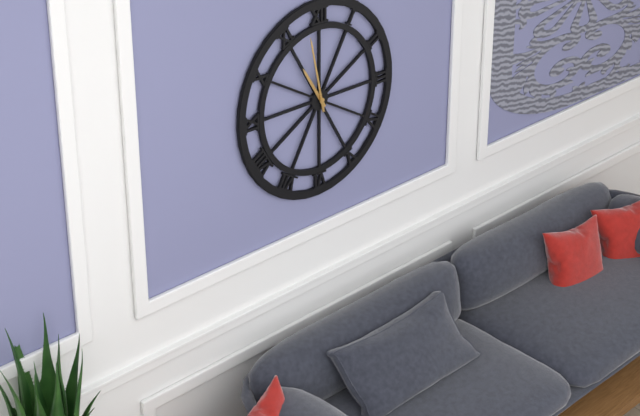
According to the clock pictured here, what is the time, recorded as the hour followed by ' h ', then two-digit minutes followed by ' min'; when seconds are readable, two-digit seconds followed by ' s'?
10 h 58 min
